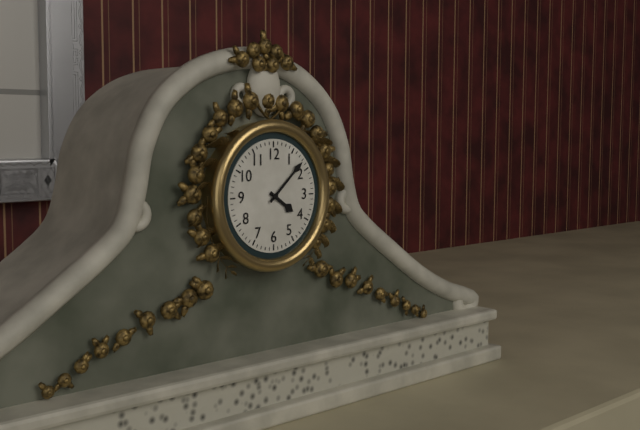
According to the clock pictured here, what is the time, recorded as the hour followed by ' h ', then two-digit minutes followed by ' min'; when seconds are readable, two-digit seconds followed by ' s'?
4 h 08 min
